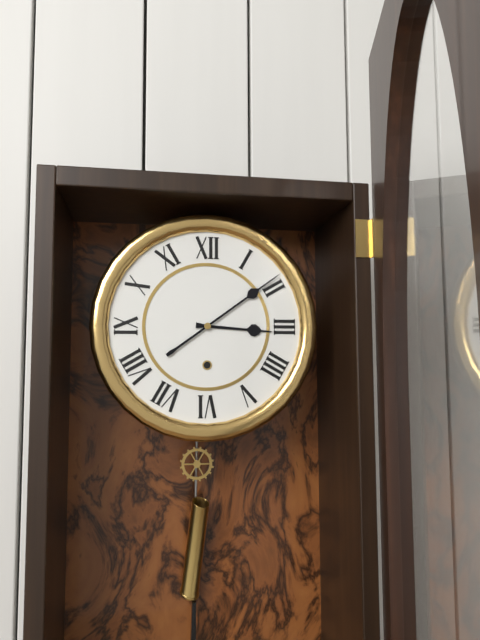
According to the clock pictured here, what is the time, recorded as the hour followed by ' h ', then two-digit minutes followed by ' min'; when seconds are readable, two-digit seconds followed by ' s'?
3 h 09 min
